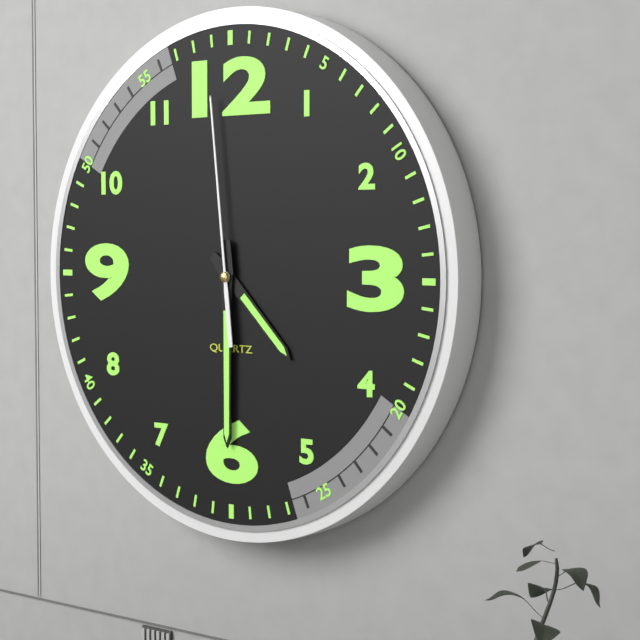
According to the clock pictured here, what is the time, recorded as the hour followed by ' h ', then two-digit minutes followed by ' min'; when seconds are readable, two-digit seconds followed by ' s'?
4 h 30 min 59 s
